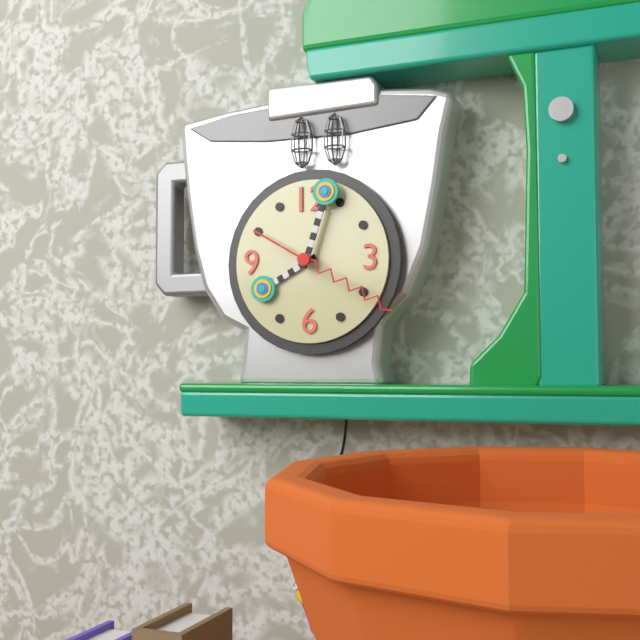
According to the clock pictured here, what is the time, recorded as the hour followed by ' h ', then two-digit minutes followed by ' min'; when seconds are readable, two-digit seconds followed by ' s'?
8 h 03 min 20 s
